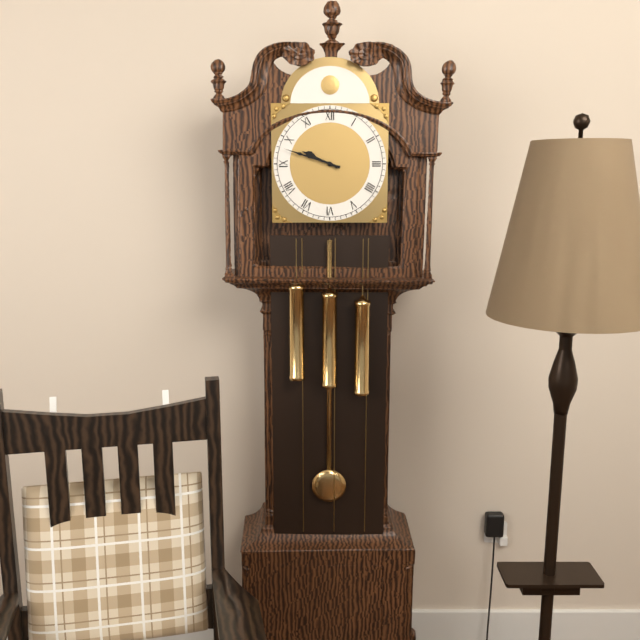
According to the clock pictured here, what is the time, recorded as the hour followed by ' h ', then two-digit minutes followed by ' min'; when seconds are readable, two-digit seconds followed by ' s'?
9 h 48 min
